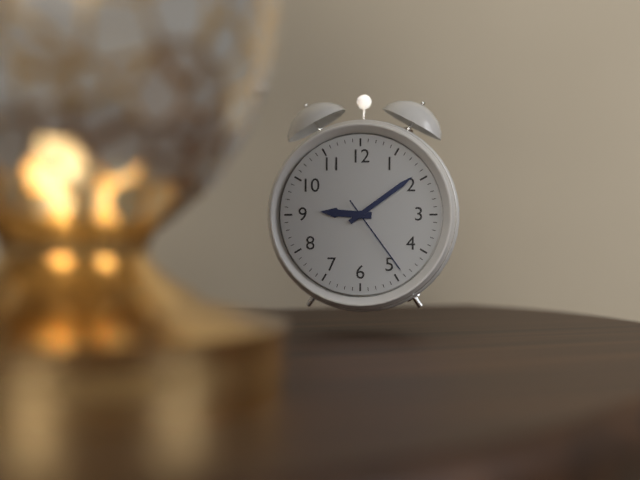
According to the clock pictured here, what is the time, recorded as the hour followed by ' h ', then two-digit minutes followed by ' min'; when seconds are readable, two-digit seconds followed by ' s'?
9 h 09 min 24 s
